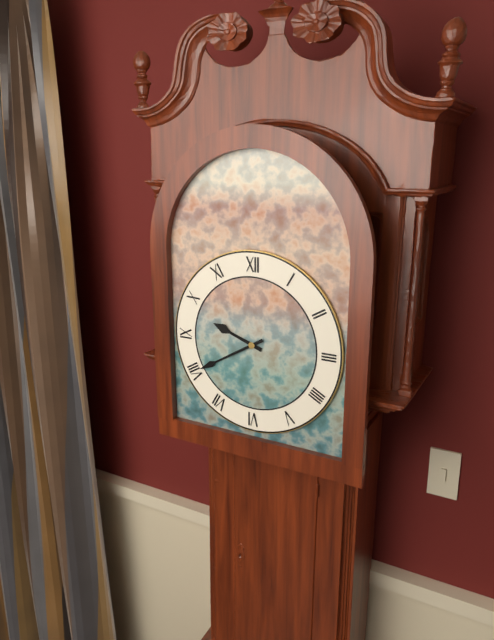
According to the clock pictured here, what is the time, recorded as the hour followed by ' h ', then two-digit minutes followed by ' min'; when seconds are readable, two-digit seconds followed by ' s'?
9 h 40 min
